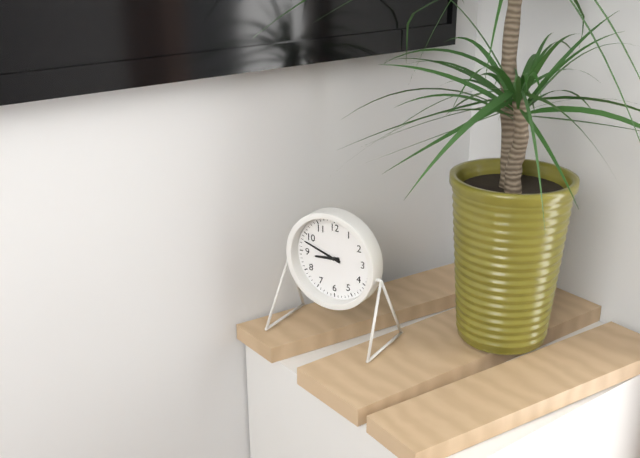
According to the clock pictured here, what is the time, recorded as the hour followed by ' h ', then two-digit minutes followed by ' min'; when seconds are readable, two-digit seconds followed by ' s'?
8 h 48 min
